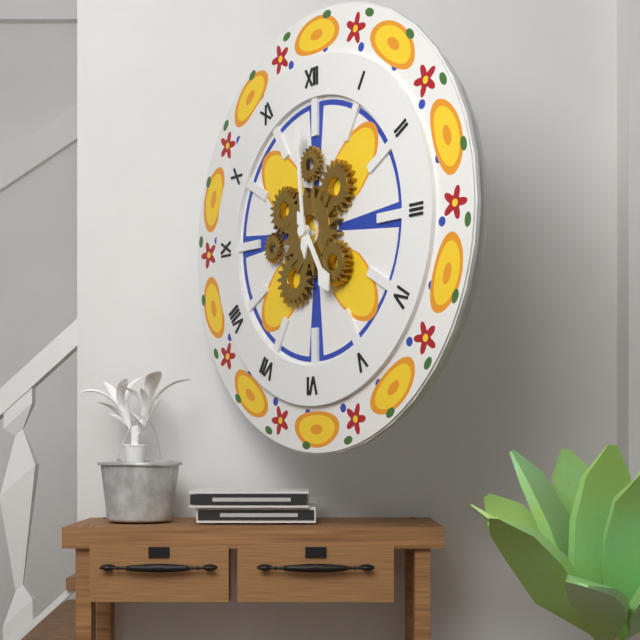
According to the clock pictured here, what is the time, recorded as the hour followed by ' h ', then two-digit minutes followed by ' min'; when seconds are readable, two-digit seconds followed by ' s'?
4 h 59 min
